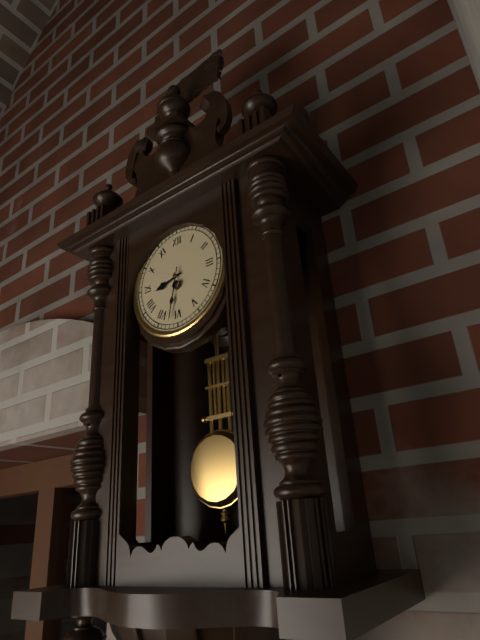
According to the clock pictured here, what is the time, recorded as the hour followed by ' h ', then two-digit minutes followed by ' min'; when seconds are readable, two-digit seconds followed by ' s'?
8 h 32 min
